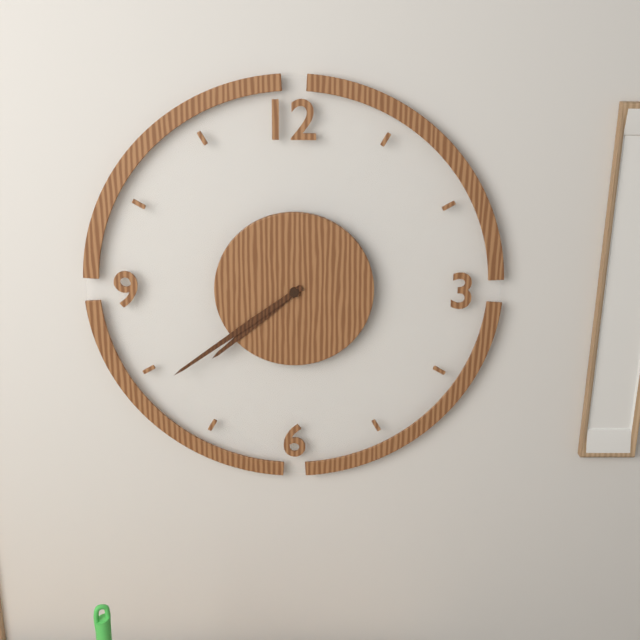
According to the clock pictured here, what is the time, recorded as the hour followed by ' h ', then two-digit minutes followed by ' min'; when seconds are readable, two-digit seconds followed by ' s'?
7 h 39 min
